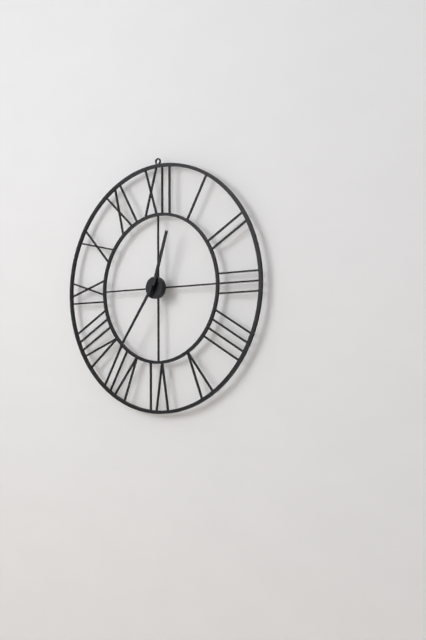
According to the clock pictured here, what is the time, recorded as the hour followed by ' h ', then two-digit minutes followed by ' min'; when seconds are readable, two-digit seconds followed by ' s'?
12 h 36 min
